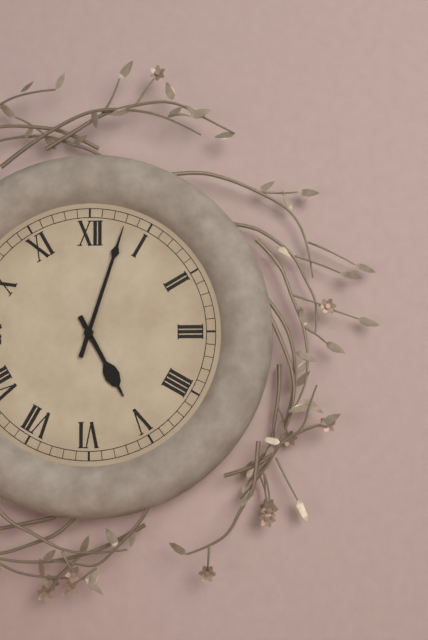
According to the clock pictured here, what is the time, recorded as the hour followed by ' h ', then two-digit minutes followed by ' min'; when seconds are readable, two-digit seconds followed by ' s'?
5 h 03 min
